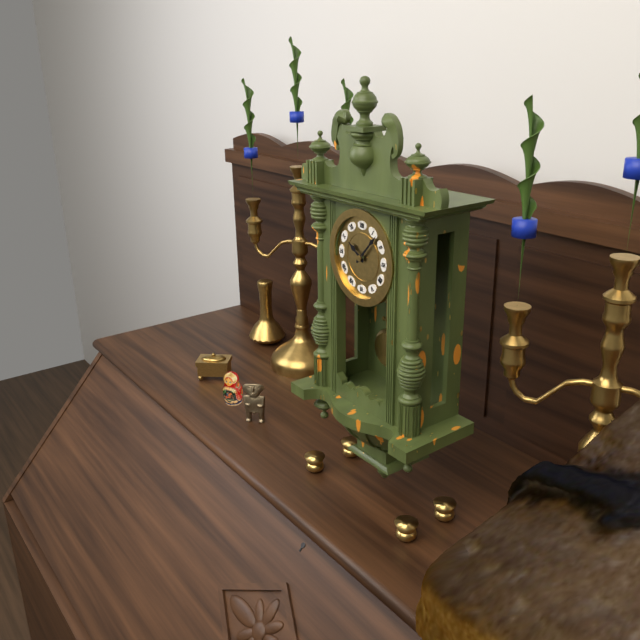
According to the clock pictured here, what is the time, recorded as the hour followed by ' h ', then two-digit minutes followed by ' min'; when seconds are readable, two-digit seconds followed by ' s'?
10 h 07 min
